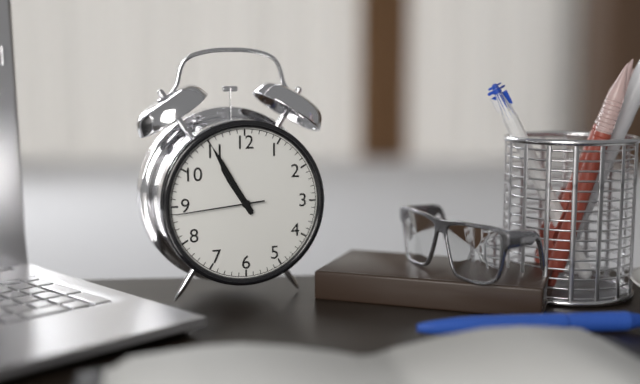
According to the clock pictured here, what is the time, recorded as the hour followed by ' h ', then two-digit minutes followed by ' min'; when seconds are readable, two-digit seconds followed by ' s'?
10 h 55 min 44 s
